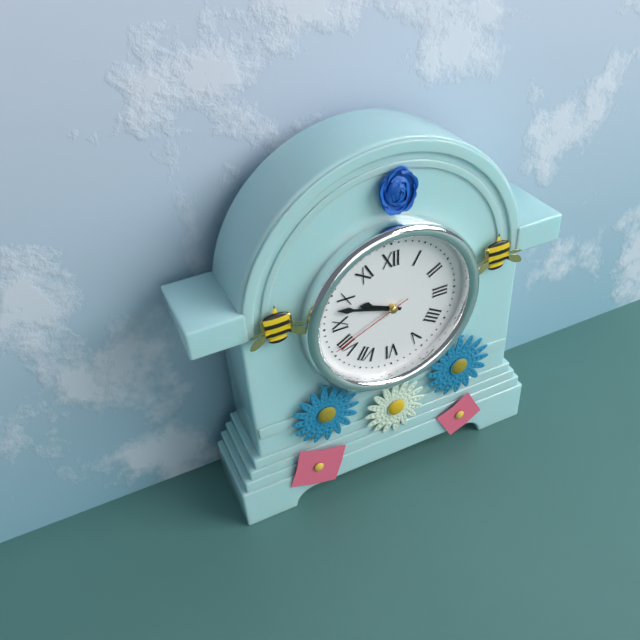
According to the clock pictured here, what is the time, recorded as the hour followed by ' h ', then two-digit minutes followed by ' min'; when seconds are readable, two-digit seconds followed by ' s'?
9 h 48 min 41 s
